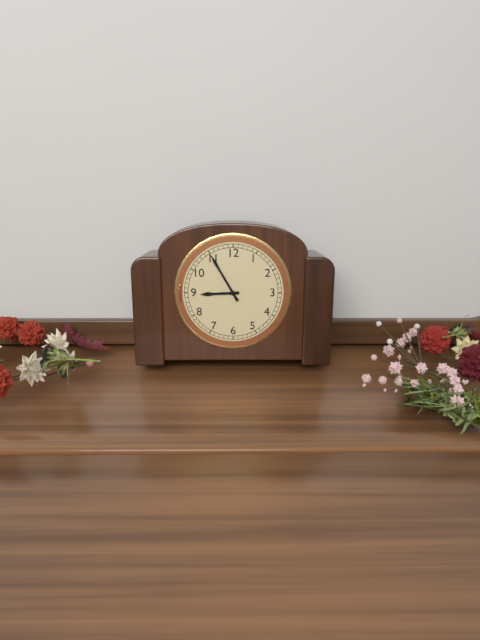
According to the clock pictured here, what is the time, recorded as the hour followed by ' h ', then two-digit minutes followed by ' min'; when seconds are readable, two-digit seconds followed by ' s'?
8 h 55 min
